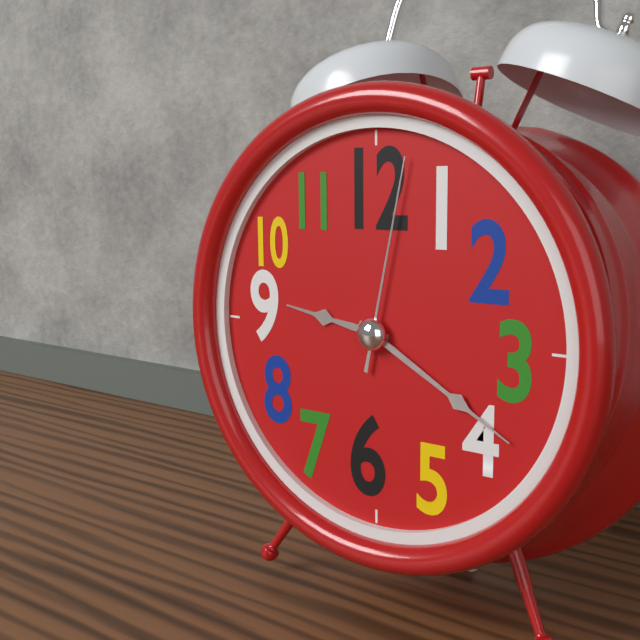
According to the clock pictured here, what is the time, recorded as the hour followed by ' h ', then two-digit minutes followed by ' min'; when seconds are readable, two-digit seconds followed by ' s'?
9 h 20 min 02 s
